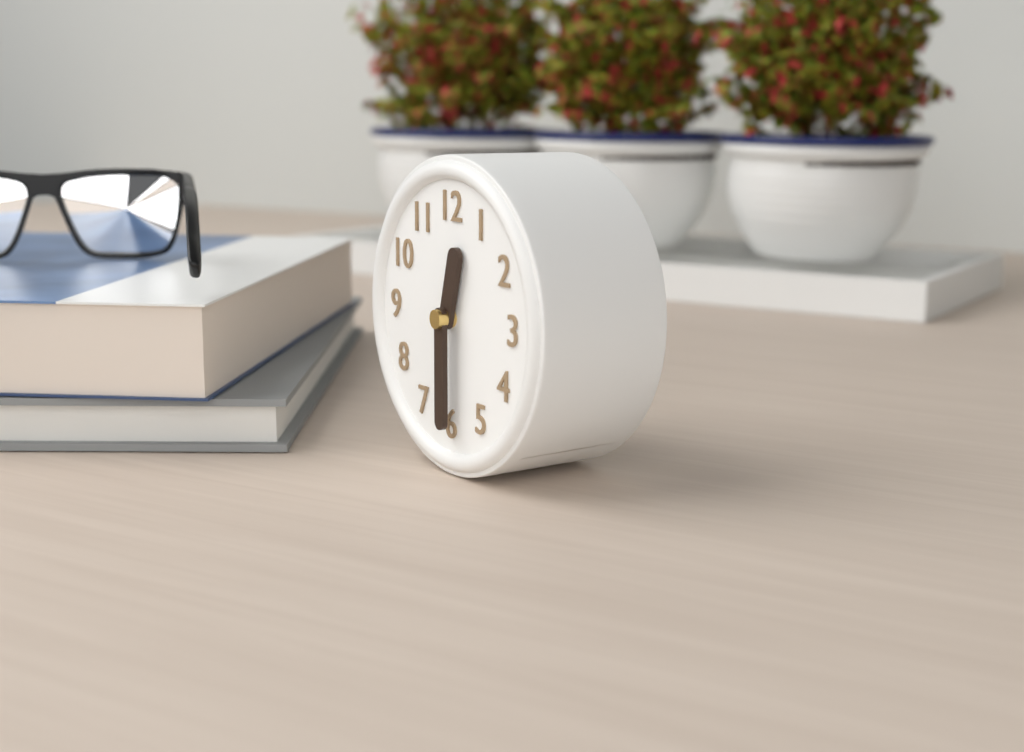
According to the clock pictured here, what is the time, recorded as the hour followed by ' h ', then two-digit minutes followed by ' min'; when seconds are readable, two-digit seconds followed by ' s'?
12 h 30 min
